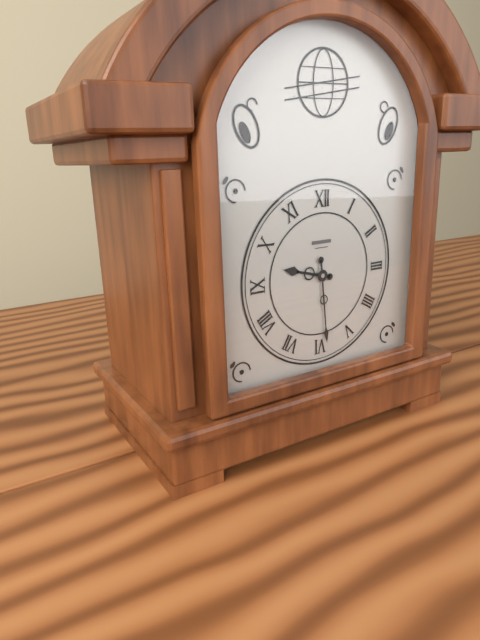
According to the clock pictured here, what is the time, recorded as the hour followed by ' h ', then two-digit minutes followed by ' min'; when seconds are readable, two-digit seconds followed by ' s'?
9 h 29 min
